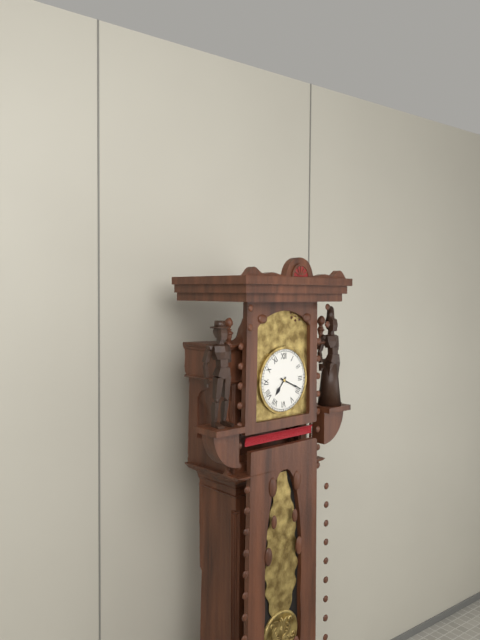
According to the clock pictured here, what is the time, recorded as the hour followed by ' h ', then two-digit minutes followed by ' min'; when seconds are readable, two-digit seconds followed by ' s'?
7 h 19 min
